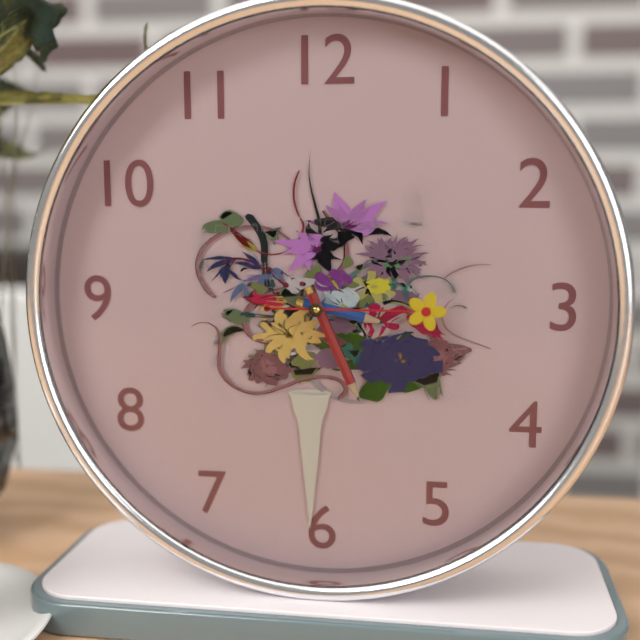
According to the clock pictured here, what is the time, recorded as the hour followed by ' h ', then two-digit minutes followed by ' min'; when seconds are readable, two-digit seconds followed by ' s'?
3 h 26 min 15 s
